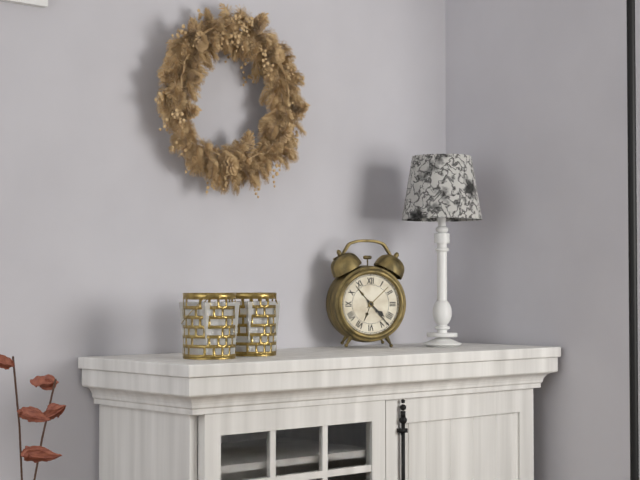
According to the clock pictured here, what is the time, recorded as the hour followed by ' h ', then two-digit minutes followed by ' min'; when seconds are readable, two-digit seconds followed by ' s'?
4 h 23 min
